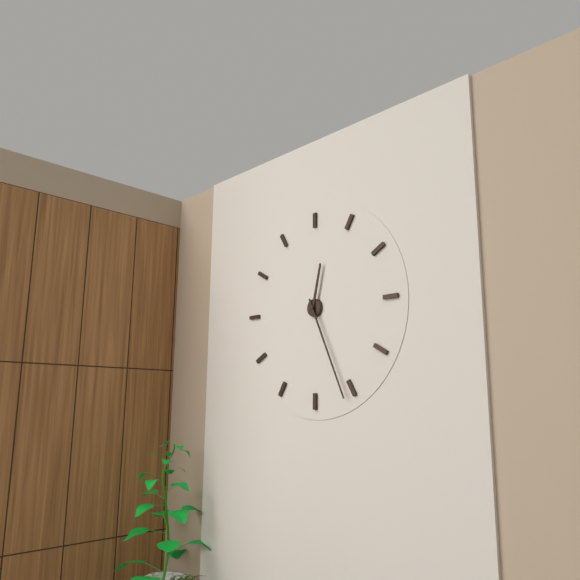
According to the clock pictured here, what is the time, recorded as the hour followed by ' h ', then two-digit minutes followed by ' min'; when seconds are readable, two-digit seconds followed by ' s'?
12 h 26 min
